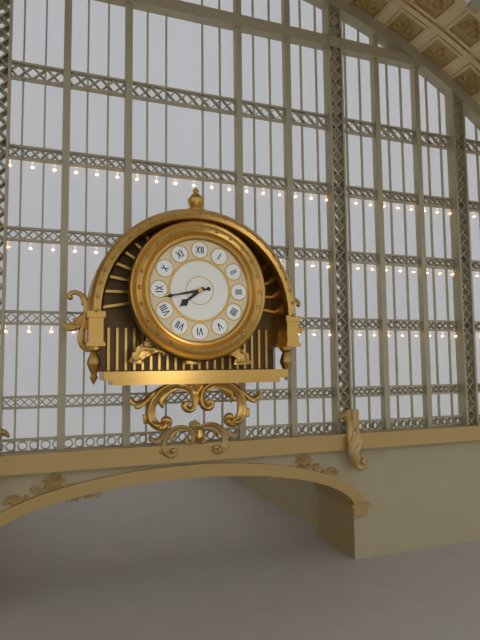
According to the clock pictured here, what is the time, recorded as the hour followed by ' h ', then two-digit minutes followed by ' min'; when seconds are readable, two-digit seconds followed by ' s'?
7 h 43 min
